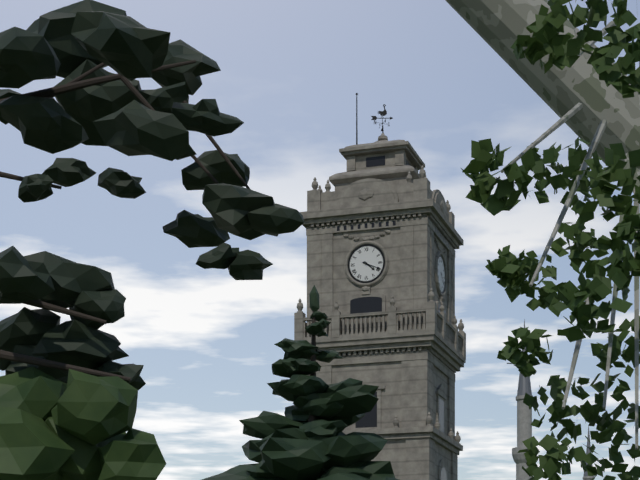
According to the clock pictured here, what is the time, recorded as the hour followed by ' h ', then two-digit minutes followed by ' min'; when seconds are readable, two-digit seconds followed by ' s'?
4 h 19 min
